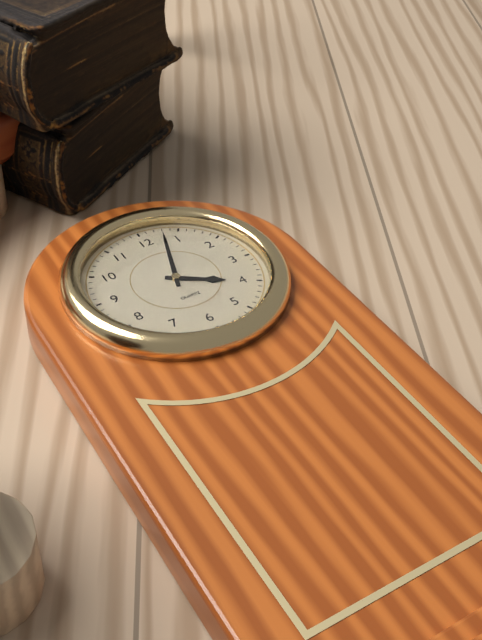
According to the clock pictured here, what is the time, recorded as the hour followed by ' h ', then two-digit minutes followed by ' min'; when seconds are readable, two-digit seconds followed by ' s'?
4 h 03 min
